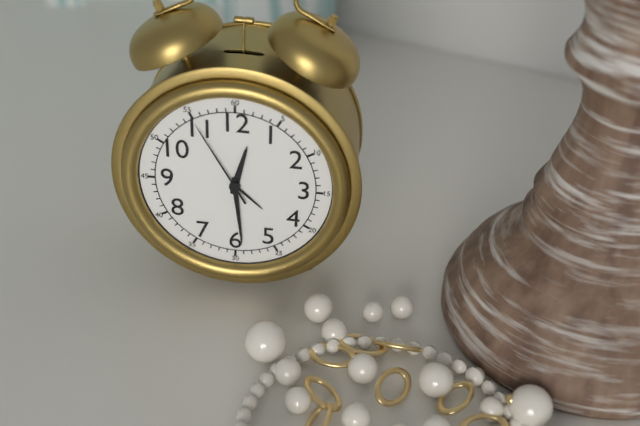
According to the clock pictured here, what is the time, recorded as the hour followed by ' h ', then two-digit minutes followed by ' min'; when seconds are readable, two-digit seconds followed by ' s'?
12 h 29 min 55 s
